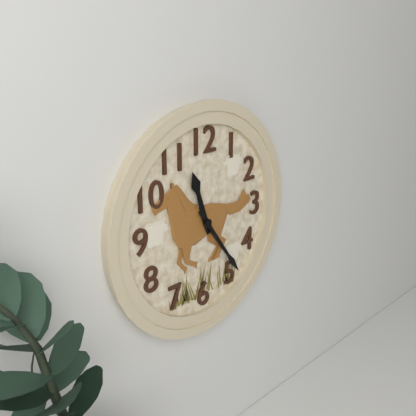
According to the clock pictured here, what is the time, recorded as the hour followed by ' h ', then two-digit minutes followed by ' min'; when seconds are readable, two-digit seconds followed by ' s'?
11 h 24 min
